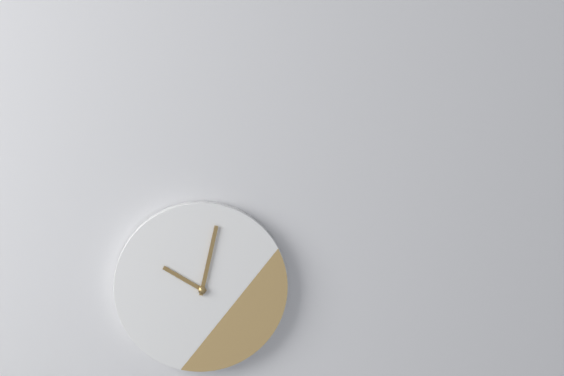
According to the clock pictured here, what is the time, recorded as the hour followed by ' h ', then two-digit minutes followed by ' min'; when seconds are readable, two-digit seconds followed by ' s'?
10 h 02 min
